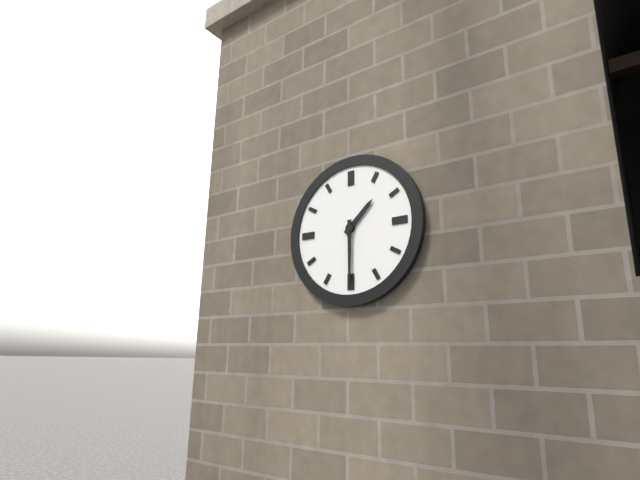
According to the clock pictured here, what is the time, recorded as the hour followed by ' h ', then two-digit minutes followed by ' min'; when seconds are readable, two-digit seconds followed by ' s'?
1 h 30 min
